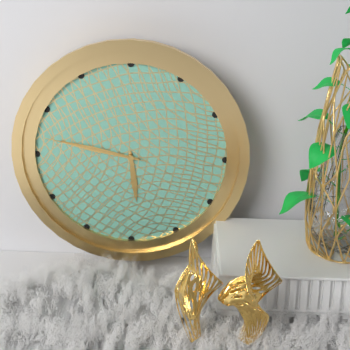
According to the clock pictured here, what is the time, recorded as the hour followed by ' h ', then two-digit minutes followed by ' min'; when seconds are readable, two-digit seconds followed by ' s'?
5 h 47 min 47 s
